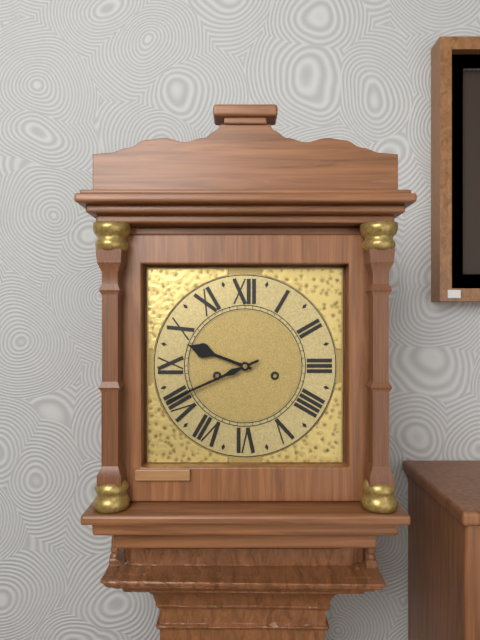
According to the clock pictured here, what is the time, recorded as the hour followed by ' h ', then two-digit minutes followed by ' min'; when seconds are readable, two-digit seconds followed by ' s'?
9 h 41 min
